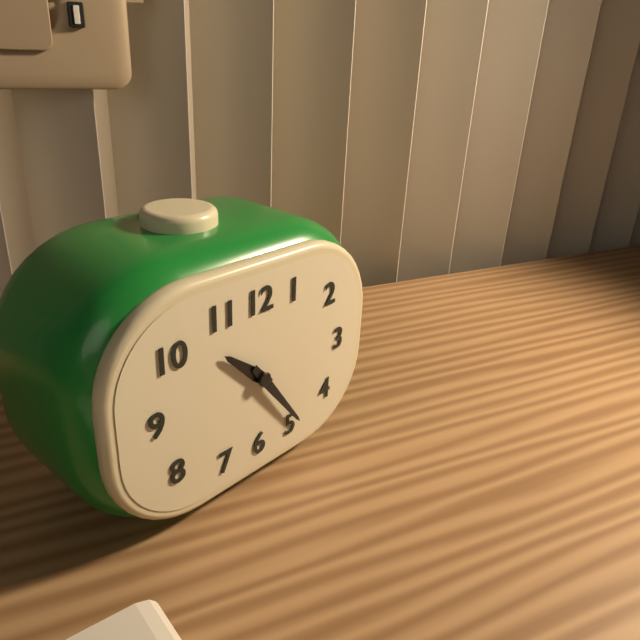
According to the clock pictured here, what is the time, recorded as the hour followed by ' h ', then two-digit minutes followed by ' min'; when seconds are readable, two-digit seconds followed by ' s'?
10 h 24 min
